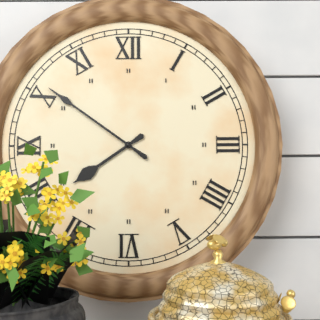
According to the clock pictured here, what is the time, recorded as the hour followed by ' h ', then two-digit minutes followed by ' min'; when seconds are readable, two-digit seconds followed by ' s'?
7 h 51 min
